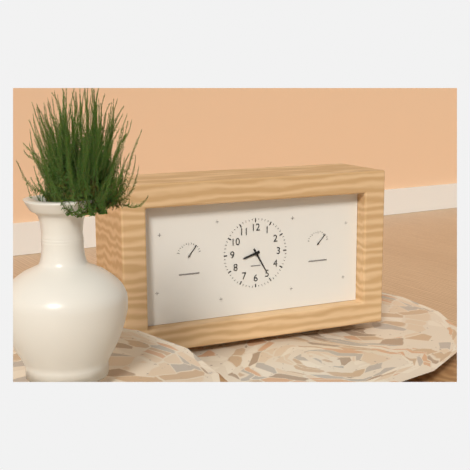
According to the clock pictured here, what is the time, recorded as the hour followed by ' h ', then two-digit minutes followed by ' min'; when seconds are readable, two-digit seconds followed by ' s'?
8 h 25 min
